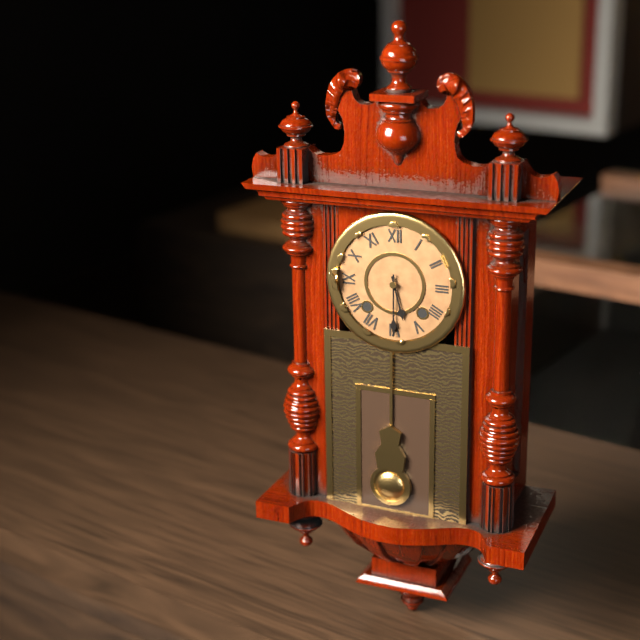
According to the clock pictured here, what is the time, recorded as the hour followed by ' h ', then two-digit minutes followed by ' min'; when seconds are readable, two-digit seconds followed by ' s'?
5 h 30 min
